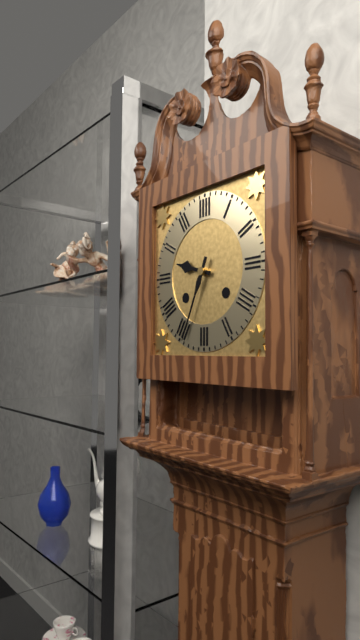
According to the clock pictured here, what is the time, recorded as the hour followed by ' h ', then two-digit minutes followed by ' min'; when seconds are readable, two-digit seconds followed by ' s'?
9 h 34 min
